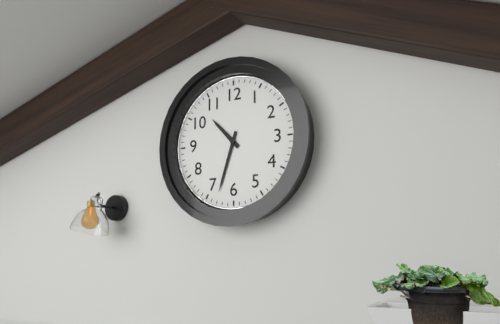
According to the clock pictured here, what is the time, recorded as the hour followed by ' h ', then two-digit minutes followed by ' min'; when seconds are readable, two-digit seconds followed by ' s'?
10 h 33 min
